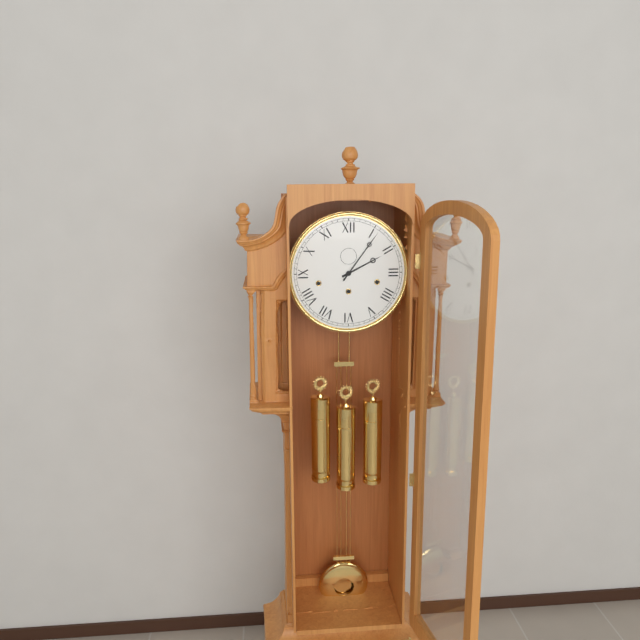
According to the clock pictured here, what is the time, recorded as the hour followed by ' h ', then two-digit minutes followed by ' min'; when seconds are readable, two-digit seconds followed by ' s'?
2 h 06 min
